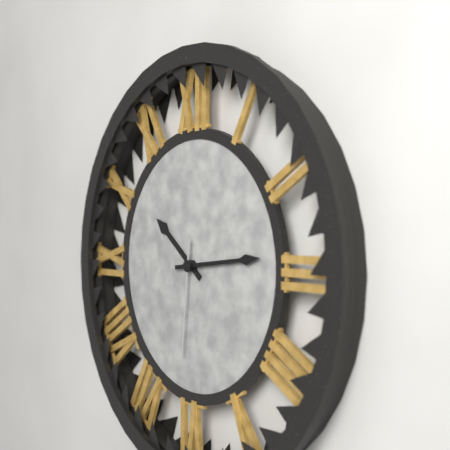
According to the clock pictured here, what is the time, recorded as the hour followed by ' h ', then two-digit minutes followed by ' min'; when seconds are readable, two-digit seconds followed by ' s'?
10 h 14 min 31 s
